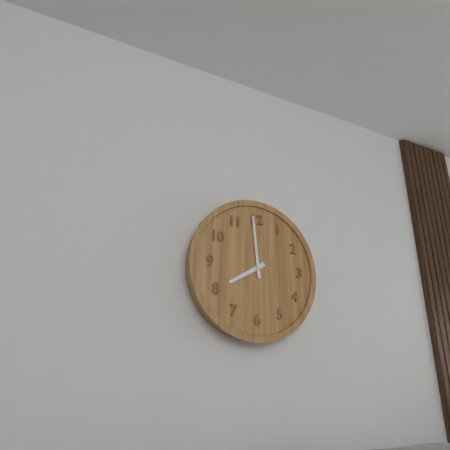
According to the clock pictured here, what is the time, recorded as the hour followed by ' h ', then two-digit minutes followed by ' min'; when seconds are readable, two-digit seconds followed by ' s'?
7 h 59 min
